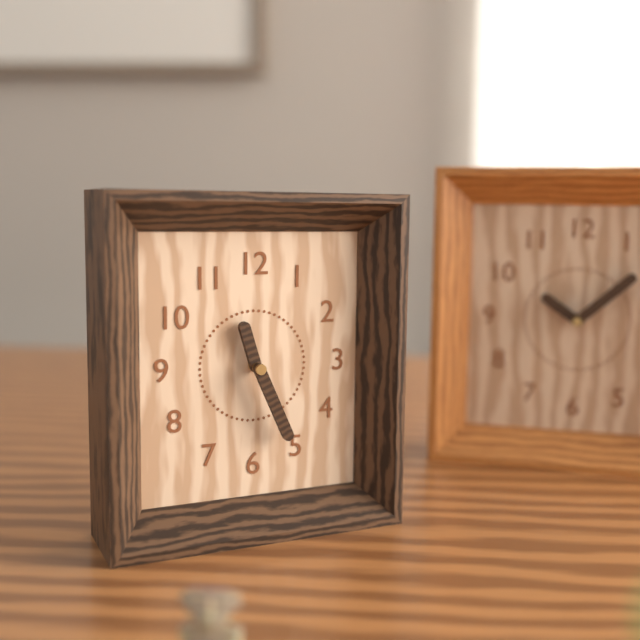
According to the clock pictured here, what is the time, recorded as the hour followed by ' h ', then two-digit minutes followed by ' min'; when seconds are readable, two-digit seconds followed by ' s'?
11 h 26 min
